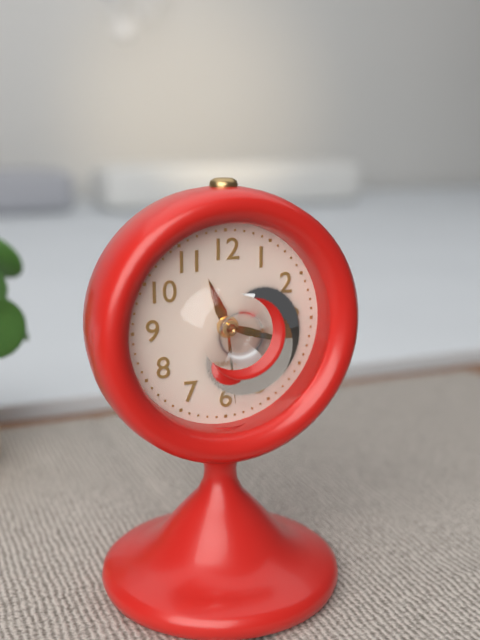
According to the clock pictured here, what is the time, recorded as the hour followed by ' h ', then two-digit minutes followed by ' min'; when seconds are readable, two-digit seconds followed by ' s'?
11 h 18 min 29 s
